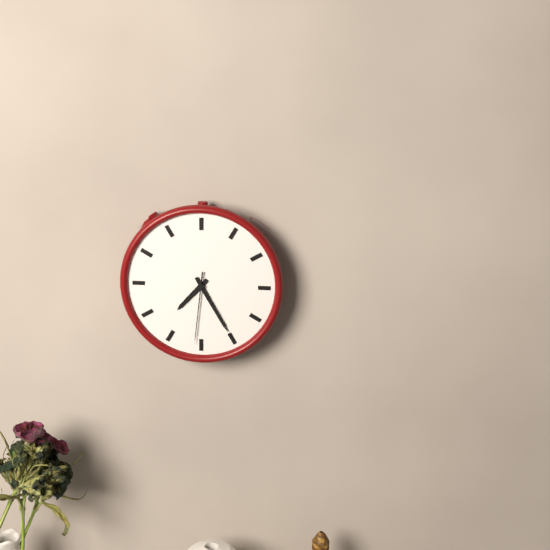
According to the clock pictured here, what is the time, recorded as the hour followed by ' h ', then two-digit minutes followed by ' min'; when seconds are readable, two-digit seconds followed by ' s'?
7 h 25 min 31 s
